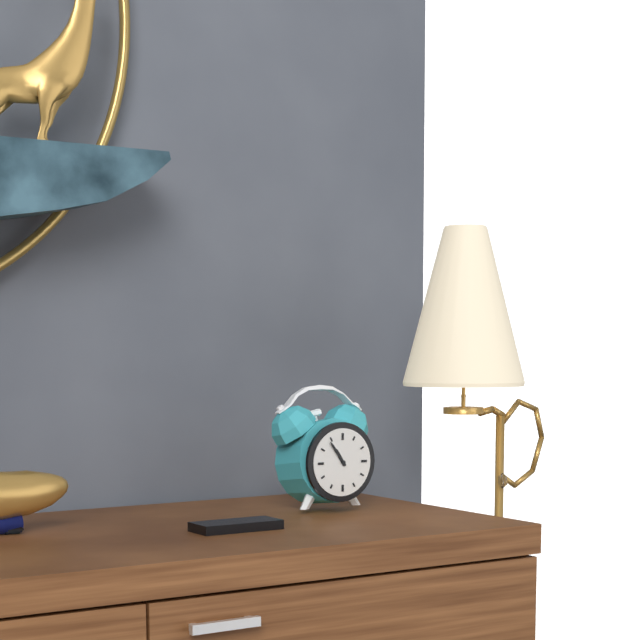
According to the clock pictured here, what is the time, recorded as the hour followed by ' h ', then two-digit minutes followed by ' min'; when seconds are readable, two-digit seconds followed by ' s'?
10 h 54 min
